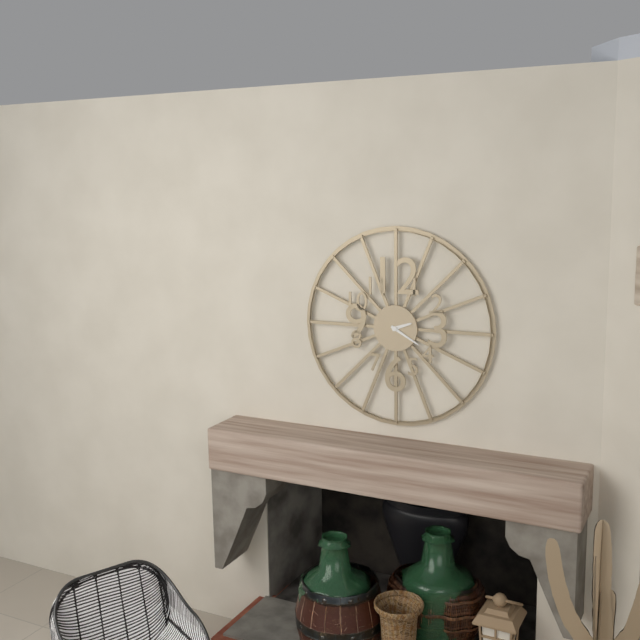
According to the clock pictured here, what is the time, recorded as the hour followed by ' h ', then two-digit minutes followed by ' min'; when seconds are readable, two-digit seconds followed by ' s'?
2 h 20 min
